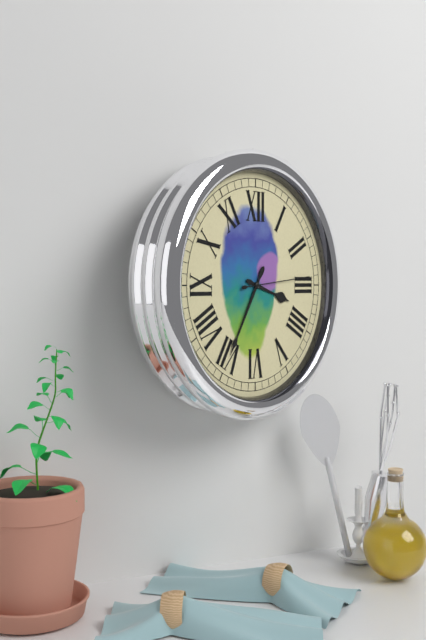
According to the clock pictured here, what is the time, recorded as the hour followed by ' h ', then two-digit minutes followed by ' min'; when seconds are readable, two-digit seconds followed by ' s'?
3 h 35 min 14 s
